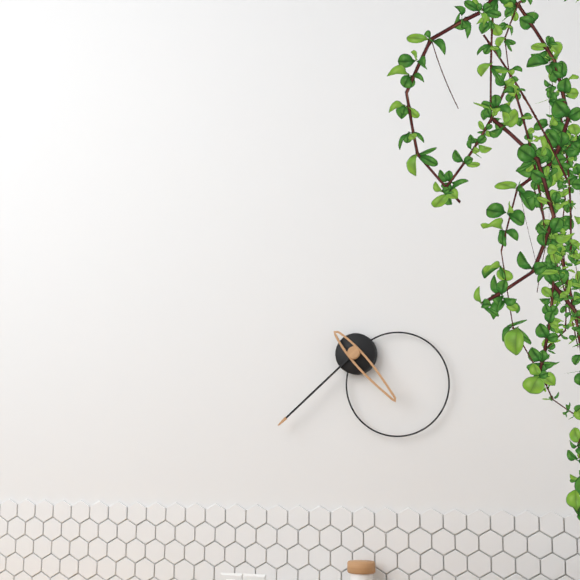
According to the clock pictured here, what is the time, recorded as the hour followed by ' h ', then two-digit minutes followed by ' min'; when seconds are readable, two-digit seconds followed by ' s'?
4 h 38 min
